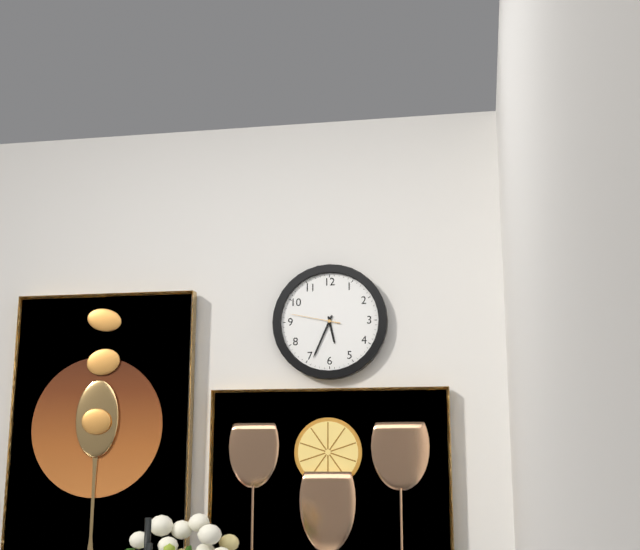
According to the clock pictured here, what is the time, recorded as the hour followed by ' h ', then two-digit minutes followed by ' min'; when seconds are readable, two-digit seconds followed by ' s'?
5 h 34 min 47 s
